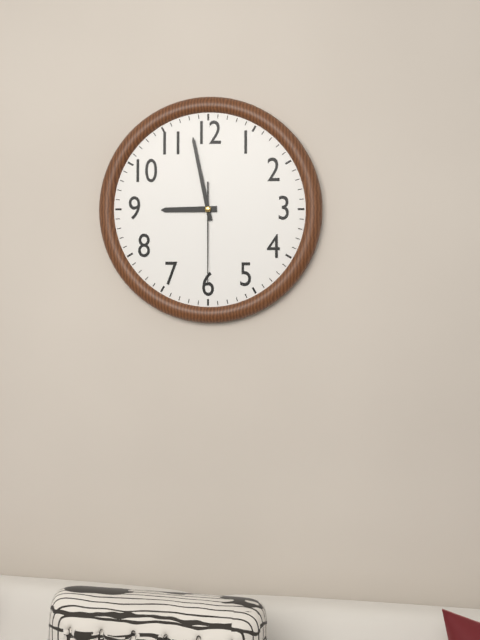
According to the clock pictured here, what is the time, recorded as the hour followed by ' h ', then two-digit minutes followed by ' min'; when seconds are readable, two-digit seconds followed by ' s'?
8 h 58 min 30 s
